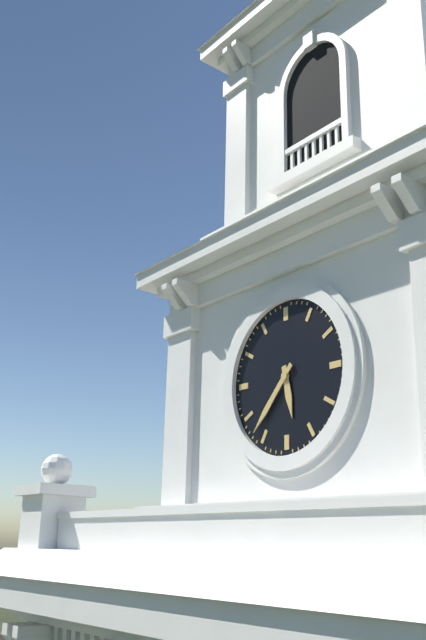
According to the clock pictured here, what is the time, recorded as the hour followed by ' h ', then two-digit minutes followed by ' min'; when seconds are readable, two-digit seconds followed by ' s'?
5 h 37 min
